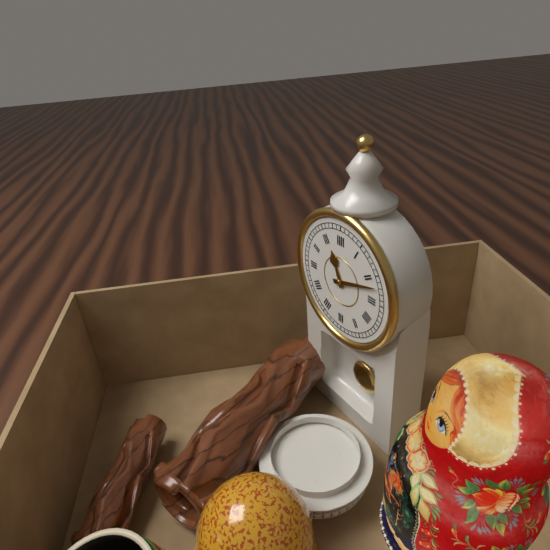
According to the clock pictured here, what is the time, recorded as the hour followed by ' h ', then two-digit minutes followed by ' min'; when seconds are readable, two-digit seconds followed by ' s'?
11 h 12 min
